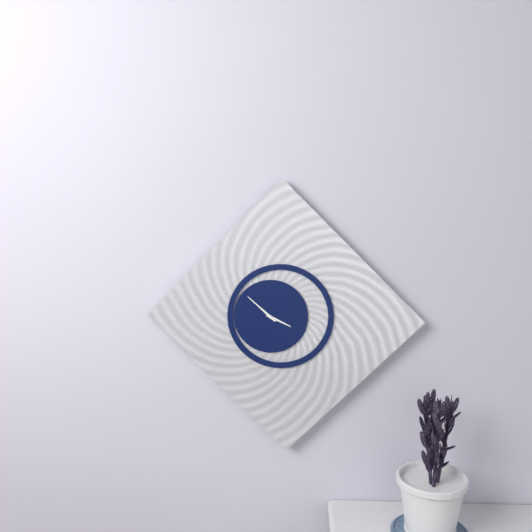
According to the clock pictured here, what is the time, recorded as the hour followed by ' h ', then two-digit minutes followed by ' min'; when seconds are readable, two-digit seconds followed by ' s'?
3 h 52 min
